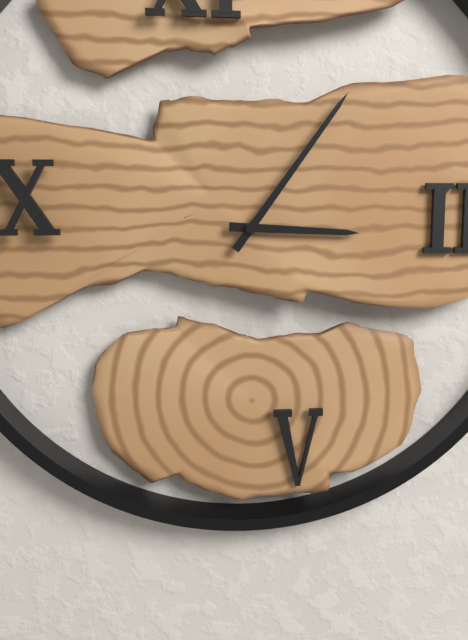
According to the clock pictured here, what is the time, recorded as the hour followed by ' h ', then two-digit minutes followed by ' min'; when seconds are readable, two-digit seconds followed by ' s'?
3 h 06 min
